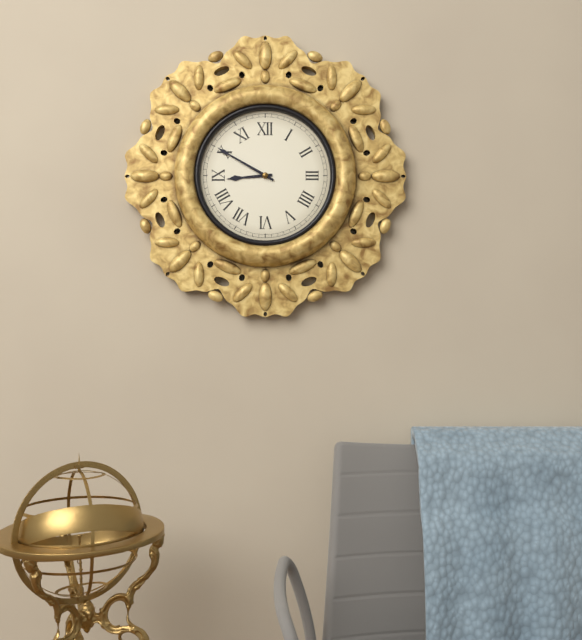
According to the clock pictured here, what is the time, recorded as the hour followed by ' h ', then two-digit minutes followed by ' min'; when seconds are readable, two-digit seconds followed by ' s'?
8 h 50 min
